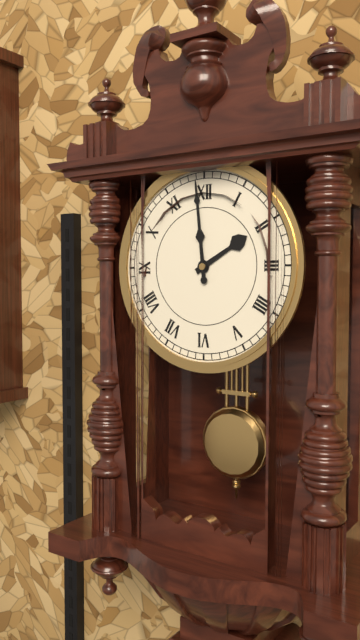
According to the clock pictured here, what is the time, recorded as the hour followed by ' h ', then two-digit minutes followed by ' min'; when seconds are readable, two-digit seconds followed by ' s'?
1 h 59 min
